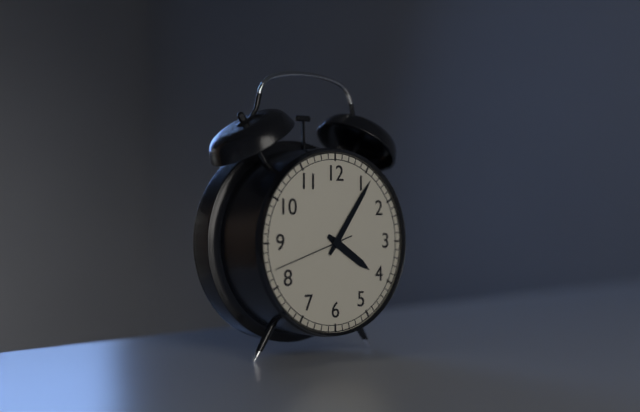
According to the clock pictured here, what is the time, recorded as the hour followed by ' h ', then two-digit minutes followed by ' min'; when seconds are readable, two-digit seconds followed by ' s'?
4 h 06 min 42 s
